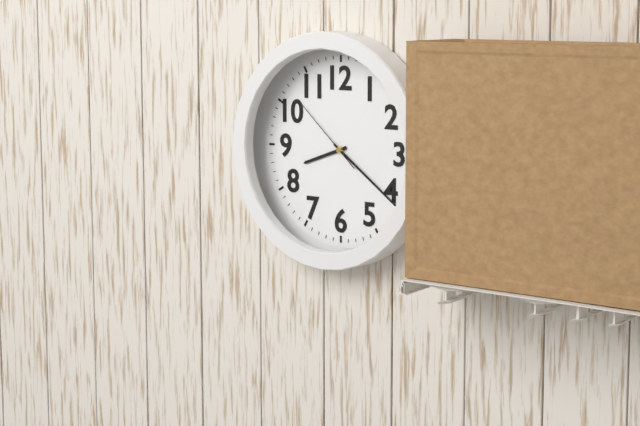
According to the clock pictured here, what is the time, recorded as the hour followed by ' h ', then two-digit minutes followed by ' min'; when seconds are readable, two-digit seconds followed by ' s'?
8 h 21 min 52 s
